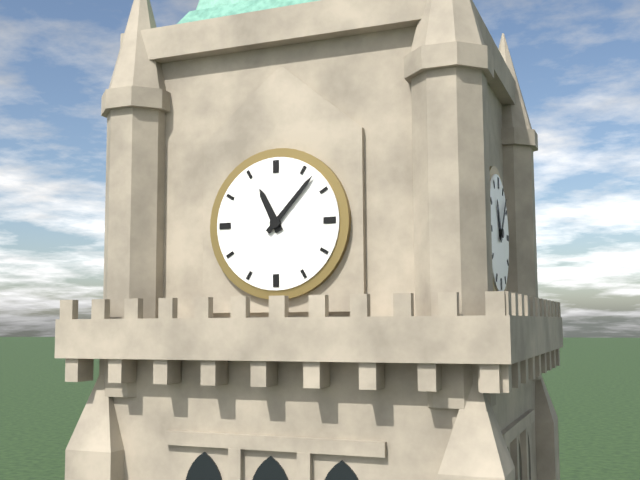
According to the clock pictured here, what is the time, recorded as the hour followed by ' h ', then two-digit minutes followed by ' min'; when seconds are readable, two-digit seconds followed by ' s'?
11 h 07 min
